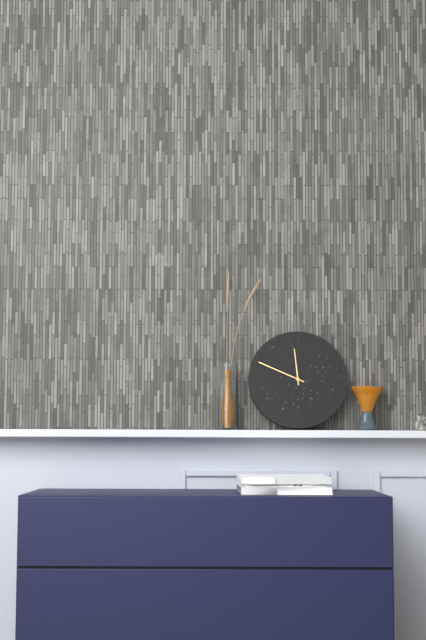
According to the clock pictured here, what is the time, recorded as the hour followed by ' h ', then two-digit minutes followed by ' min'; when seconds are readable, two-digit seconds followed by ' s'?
11 h 49 min
